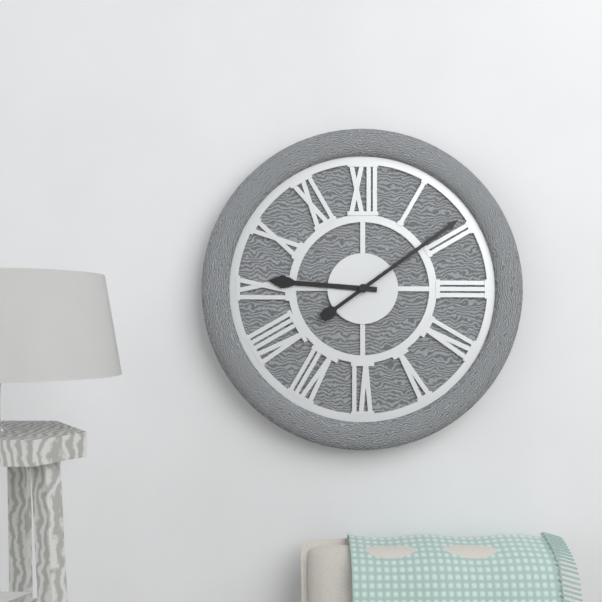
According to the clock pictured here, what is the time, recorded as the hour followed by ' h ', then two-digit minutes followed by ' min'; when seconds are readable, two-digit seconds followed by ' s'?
9 h 09 min
